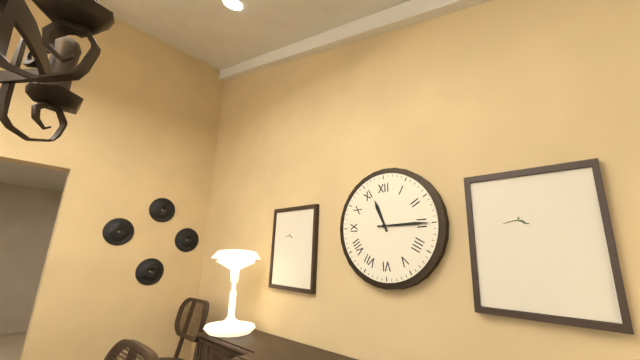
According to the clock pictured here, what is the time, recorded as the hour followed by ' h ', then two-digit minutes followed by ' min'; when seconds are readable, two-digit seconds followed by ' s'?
11 h 15 min
